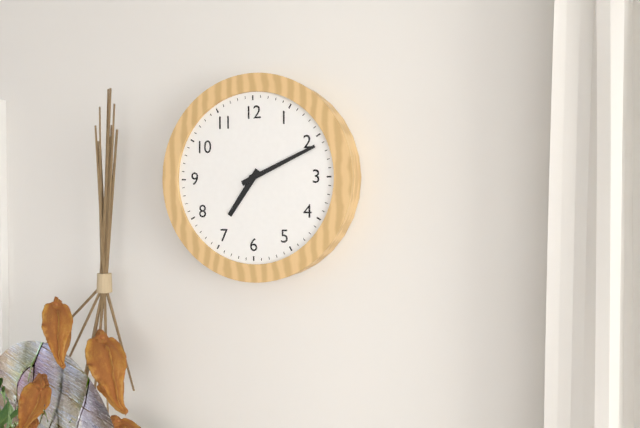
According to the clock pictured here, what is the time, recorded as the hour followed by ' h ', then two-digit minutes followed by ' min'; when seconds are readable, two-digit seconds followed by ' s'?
7 h 11 min
